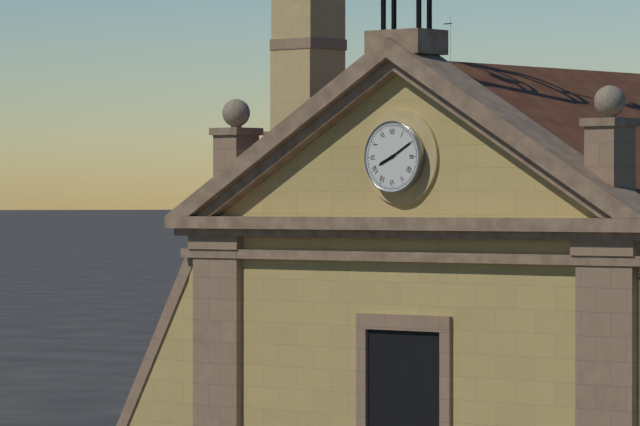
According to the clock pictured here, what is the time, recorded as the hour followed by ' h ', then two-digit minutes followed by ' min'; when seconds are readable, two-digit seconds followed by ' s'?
8 h 10 min
